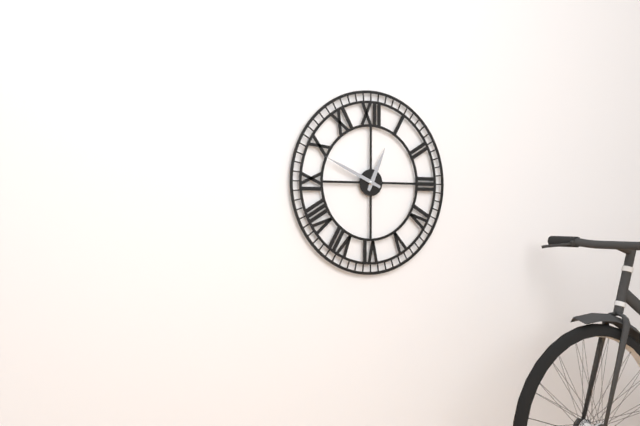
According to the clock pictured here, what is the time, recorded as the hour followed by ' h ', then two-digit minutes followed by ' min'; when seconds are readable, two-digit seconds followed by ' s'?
12 h 49 min
